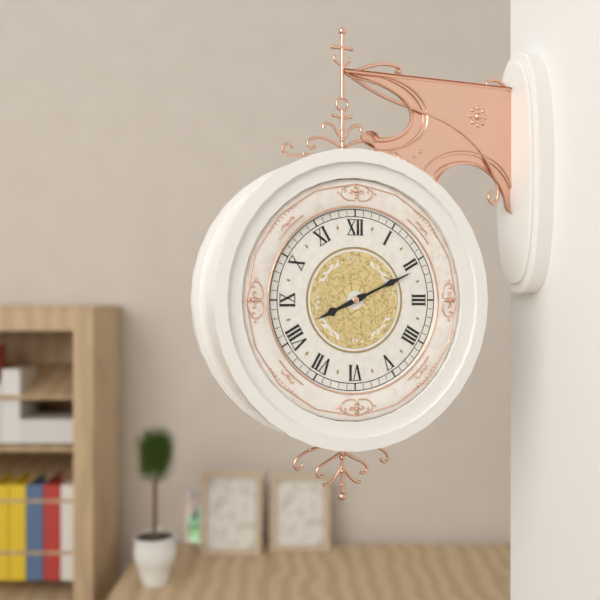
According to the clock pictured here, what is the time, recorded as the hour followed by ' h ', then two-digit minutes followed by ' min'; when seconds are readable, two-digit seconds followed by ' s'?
8 h 11 min
